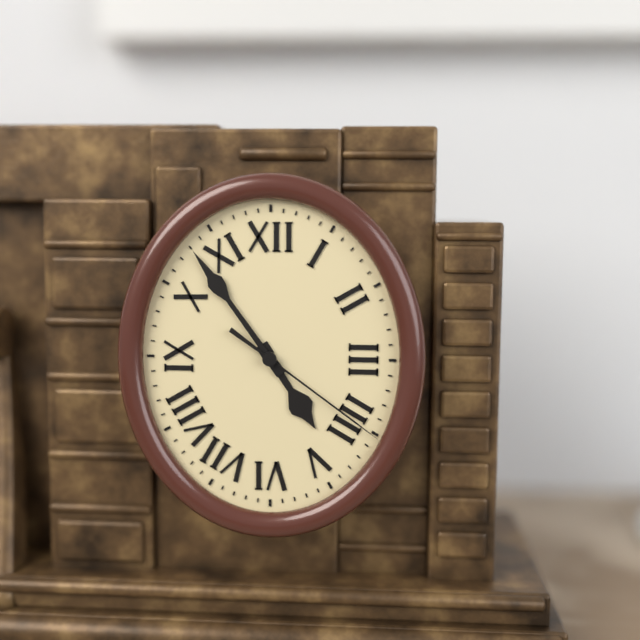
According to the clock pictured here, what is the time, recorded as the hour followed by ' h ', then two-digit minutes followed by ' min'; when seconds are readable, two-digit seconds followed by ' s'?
4 h 54 min 21 s
